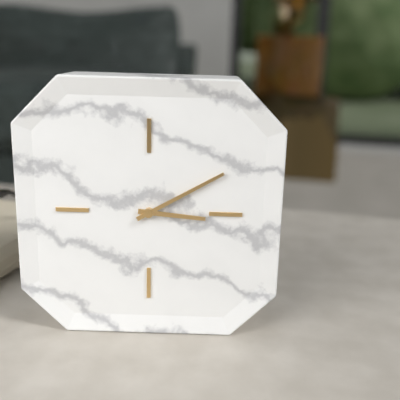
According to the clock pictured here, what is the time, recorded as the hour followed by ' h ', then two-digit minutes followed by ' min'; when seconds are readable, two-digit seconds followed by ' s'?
3 h 10 min
